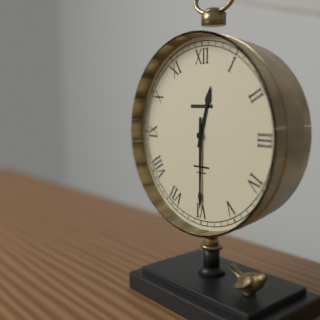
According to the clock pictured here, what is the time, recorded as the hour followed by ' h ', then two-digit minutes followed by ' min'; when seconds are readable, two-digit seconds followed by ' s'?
12 h 30 min
